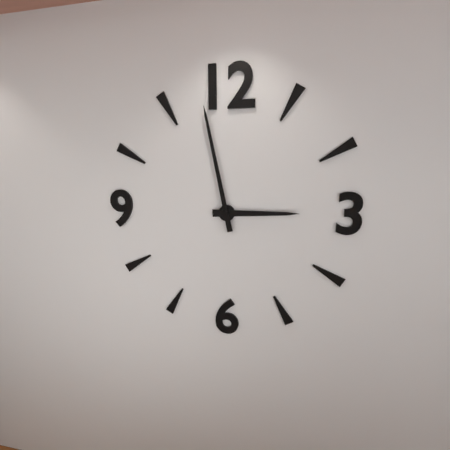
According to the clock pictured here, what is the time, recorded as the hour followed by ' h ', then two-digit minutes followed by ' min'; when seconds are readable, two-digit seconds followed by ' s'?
2 h 58 min
